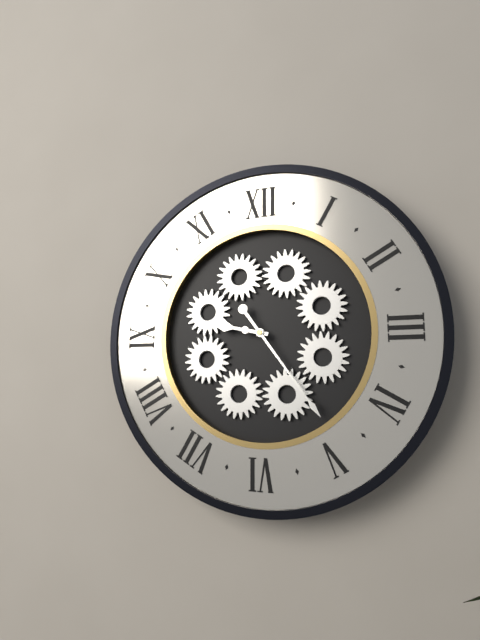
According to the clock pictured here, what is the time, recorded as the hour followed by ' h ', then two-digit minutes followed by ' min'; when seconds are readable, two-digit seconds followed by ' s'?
9 h 24 min
